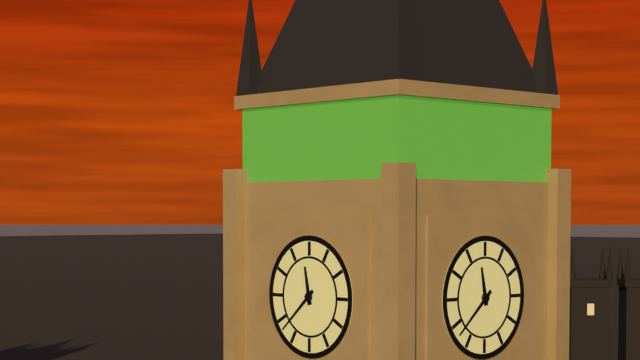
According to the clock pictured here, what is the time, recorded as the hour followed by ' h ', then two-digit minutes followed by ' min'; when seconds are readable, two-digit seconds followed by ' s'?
11 h 38 min
